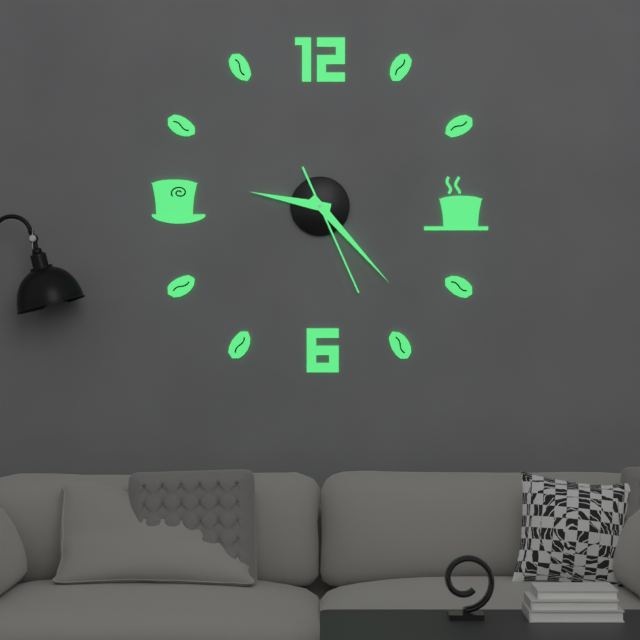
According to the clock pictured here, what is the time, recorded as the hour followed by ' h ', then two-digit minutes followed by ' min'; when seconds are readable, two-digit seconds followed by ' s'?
9 h 23 min 26 s
